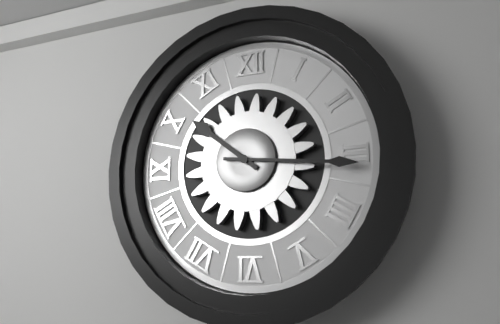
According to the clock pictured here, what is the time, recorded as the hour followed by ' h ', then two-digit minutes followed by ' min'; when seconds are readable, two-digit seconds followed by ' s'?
10 h 16 min
